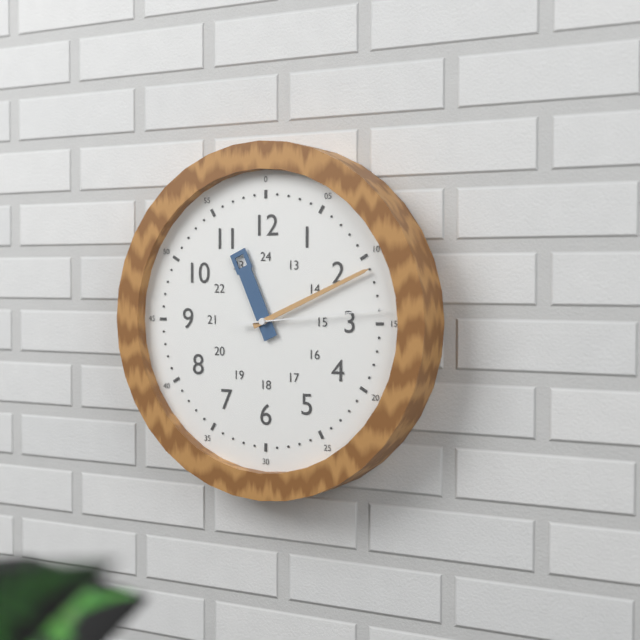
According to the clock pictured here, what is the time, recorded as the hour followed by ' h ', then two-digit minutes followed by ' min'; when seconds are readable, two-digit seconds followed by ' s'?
11 h 11 min 14 s
